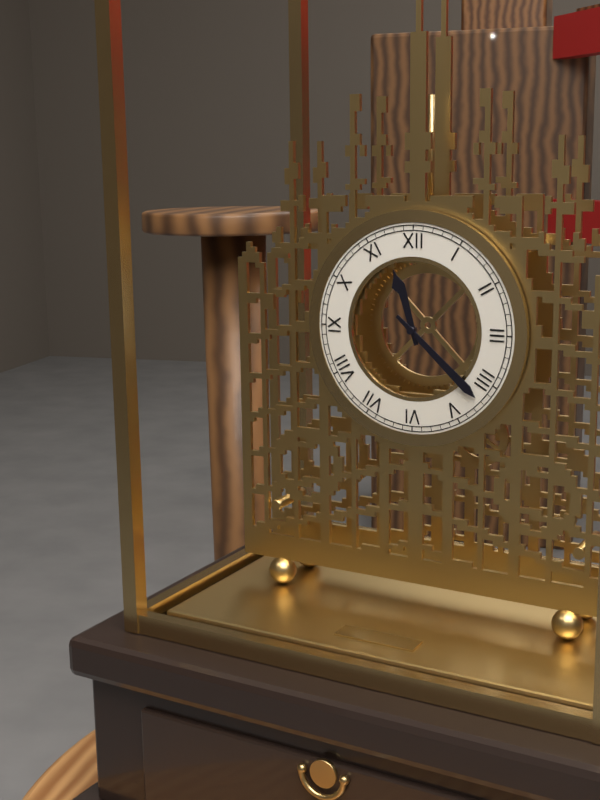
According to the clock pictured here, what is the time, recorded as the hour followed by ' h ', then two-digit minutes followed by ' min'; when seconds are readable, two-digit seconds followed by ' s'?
11 h 22 min
